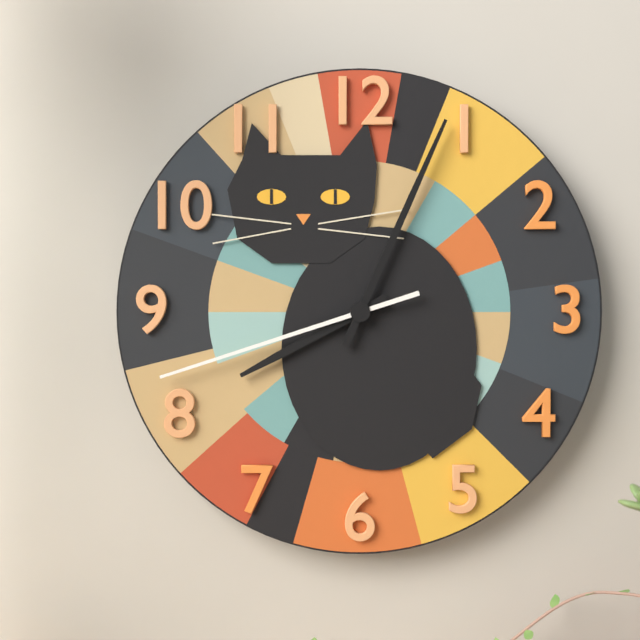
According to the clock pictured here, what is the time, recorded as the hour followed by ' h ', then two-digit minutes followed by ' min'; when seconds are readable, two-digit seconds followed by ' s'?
8 h 04 min 42 s
